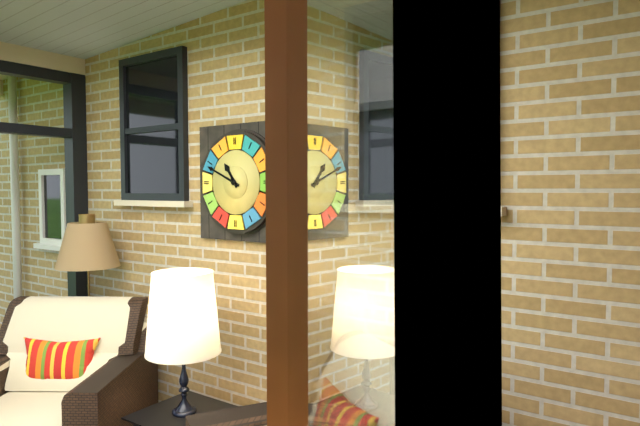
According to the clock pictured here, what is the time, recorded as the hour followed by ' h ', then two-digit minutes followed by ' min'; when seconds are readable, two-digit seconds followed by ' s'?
10 h 49 min
